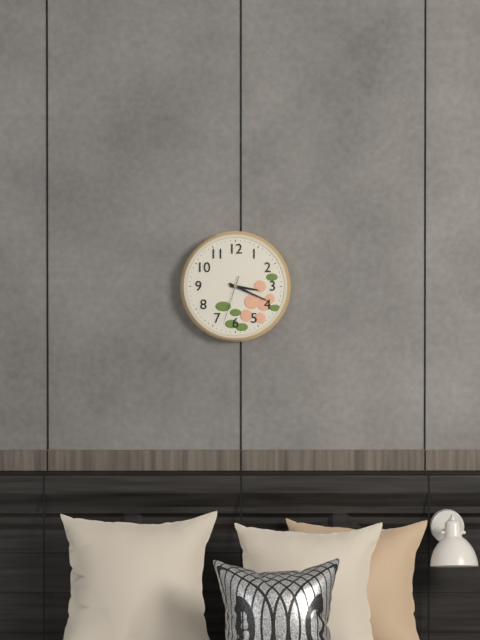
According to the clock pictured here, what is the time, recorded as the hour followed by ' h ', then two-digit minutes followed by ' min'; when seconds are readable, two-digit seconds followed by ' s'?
3 h 19 min 33 s
